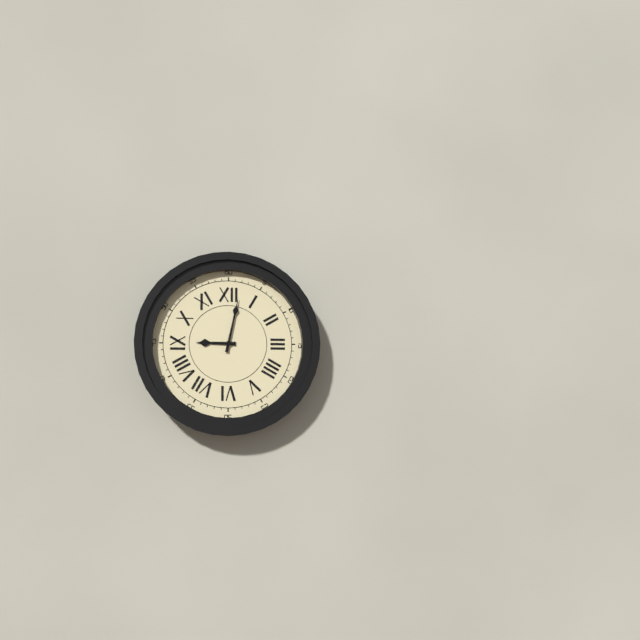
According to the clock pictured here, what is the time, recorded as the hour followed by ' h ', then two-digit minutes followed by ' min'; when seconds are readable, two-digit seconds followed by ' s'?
9 h 02 min
